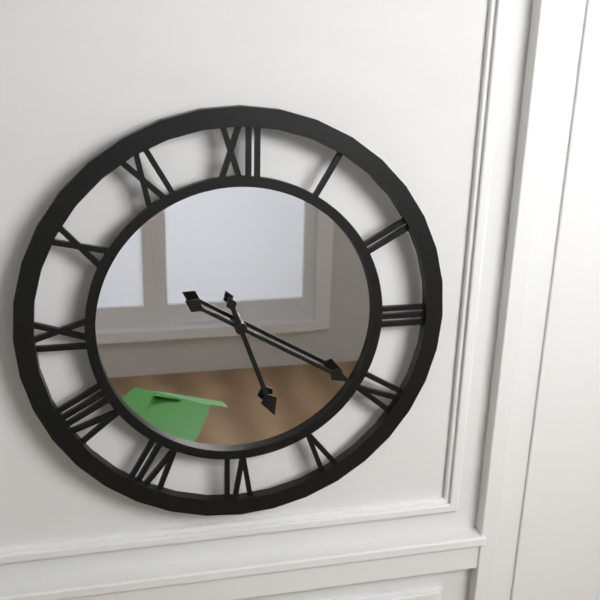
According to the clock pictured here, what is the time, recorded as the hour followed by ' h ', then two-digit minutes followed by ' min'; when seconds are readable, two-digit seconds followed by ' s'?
5 h 20 min
